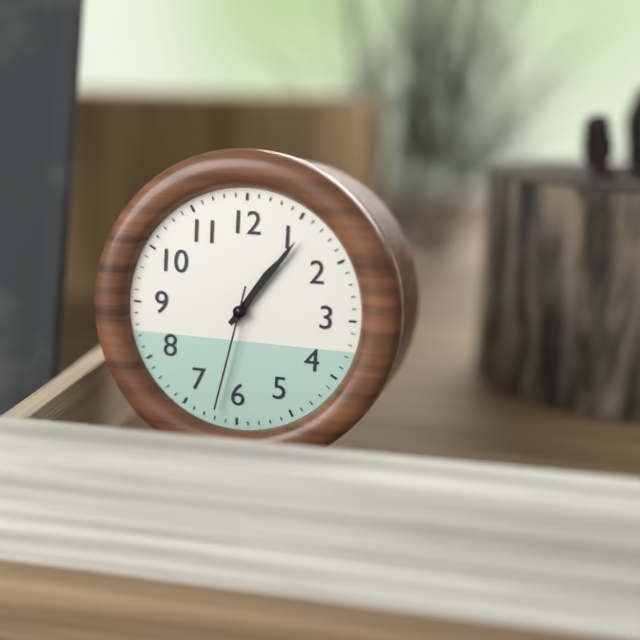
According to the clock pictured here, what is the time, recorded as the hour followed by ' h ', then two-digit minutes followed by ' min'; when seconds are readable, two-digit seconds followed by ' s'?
1 h 06 min 32 s
